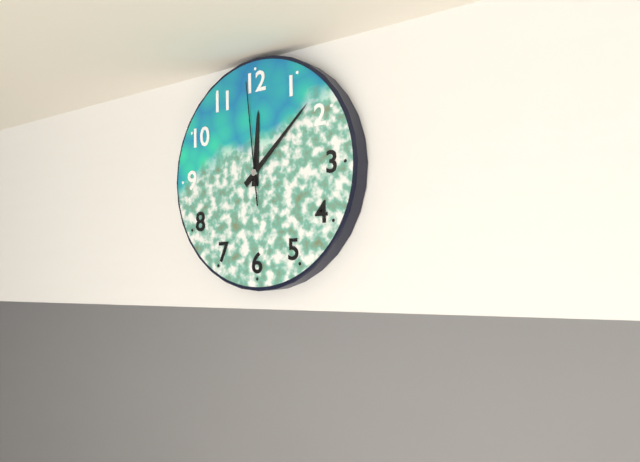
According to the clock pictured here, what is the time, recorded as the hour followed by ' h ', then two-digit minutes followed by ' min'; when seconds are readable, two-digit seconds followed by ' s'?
12 h 08 min 59 s
